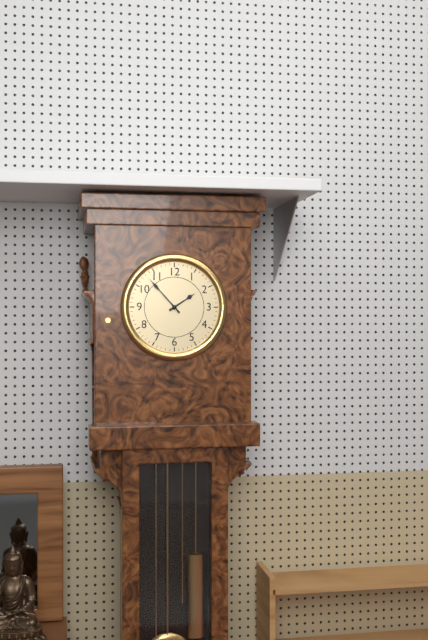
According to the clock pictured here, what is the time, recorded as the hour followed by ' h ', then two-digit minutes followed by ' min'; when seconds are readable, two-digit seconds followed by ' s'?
1 h 53 min
